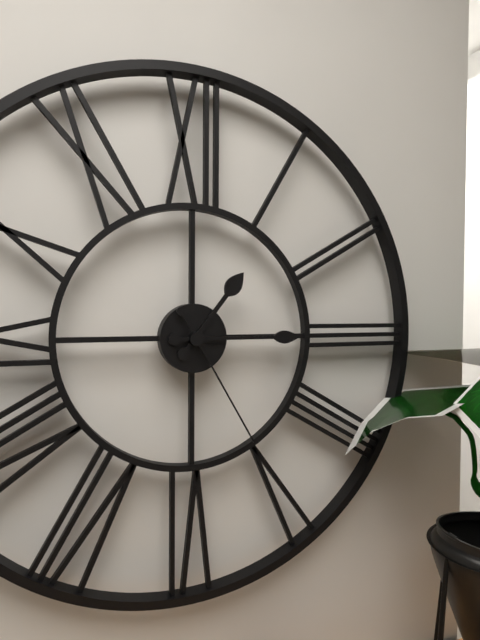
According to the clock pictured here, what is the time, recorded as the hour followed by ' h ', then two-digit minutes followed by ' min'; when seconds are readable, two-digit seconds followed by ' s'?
1 h 15 min 25 s
